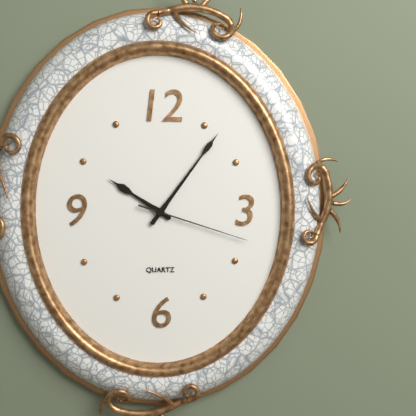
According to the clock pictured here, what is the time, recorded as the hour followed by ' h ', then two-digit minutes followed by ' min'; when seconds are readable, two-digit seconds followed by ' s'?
10 h 06 min 18 s
